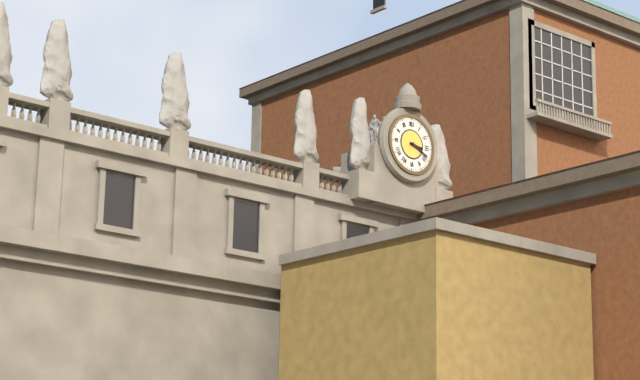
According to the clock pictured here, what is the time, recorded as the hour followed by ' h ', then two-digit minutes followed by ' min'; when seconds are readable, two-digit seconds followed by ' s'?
3 h 19 min
